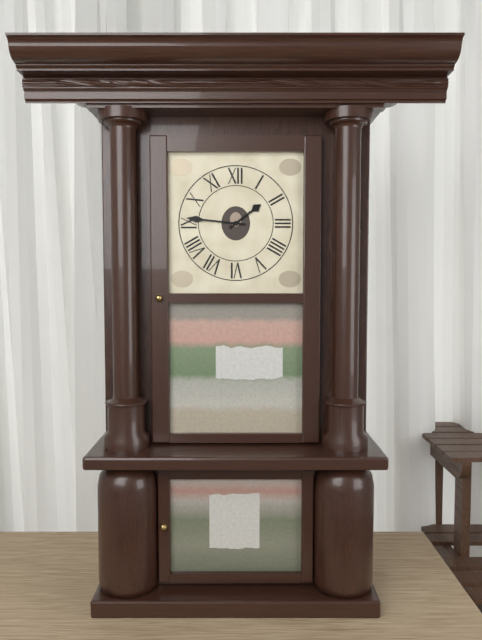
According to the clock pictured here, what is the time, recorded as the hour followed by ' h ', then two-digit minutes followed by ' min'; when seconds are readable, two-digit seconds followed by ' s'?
1 h 46 min
